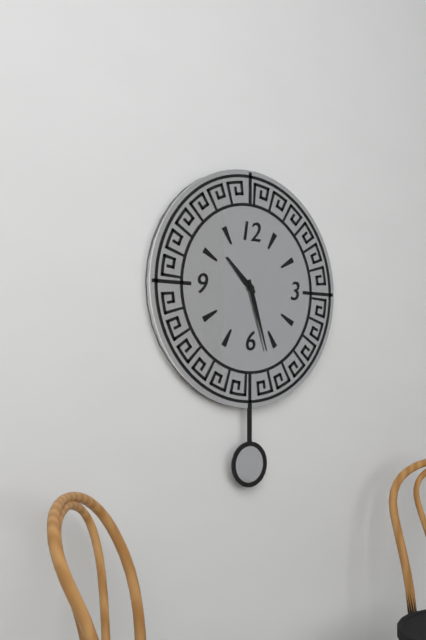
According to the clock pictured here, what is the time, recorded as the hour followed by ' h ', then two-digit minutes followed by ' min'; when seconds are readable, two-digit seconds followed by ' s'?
10 h 27 min
